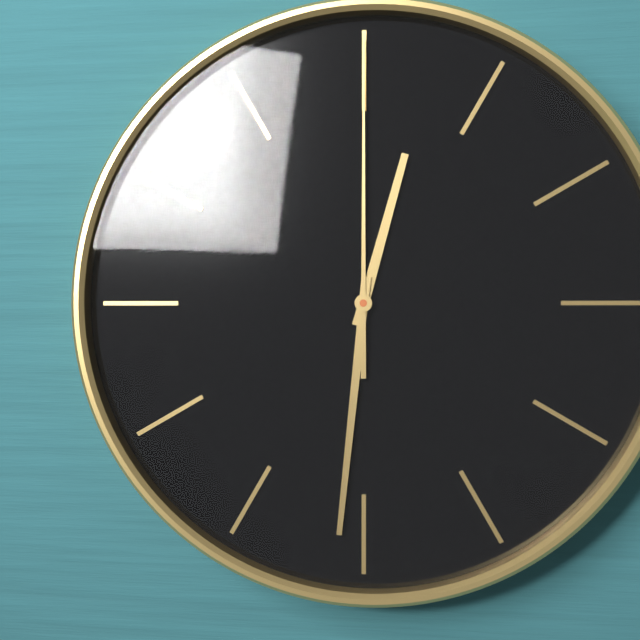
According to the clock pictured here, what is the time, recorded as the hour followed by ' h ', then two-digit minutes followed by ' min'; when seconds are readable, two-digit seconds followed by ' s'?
12 h 31 min 00 s
